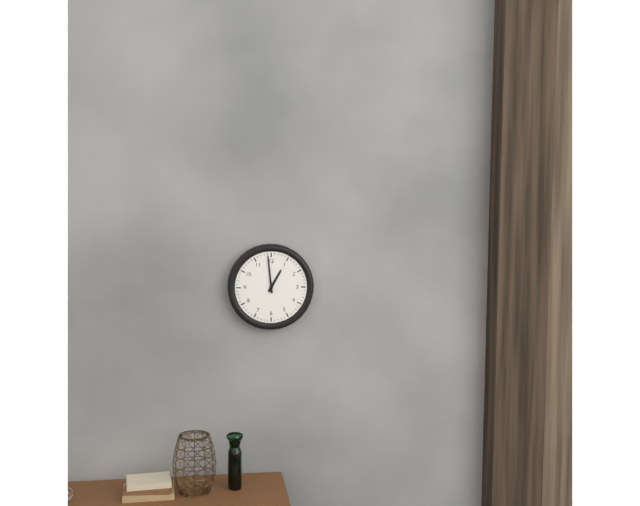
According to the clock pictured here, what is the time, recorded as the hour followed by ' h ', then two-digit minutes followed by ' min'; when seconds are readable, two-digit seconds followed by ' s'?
12 h 59 min
